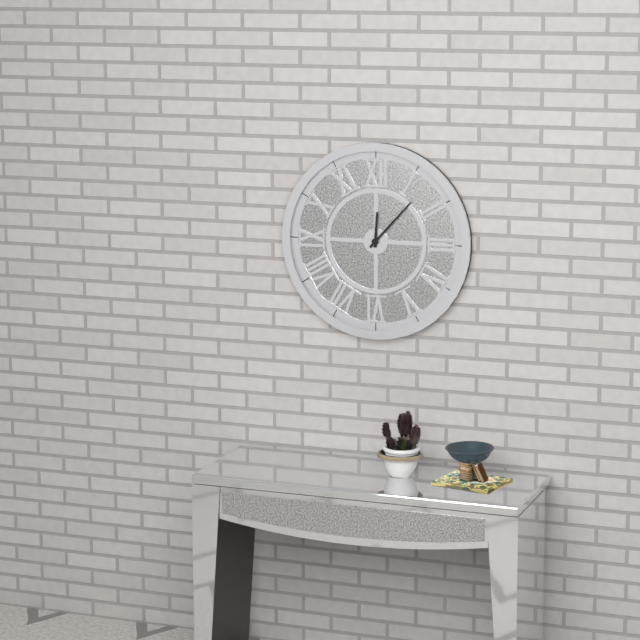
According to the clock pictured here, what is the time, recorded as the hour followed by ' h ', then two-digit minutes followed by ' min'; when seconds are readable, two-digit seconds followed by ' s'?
12 h 07 min
